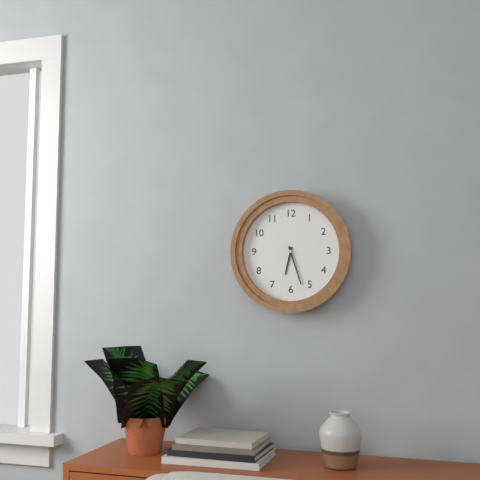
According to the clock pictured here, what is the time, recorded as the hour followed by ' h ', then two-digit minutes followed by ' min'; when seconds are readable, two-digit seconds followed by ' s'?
6 h 27 min
